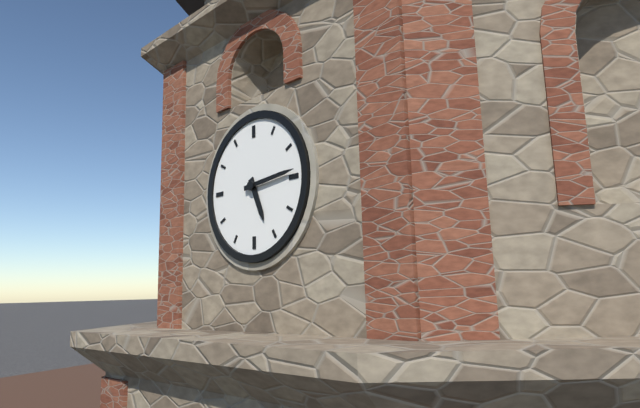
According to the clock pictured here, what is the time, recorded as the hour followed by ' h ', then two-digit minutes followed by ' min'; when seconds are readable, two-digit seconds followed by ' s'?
5 h 14 min
